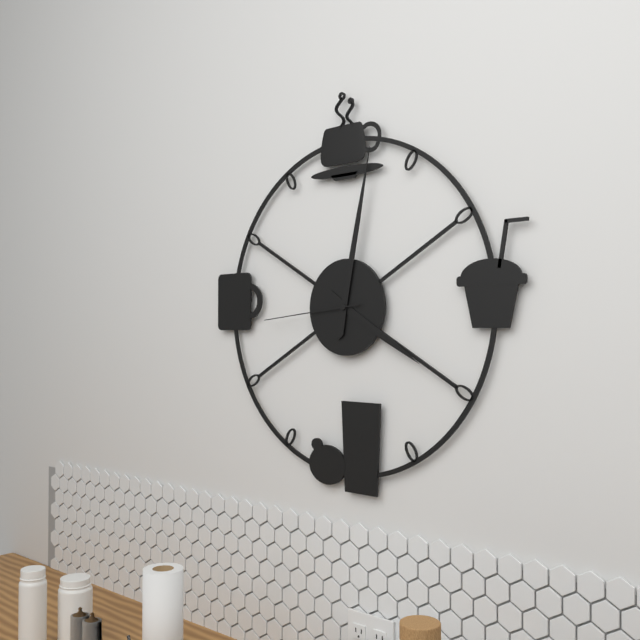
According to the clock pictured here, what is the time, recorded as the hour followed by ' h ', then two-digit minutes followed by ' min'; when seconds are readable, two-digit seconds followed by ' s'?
4 h 02 min 44 s
